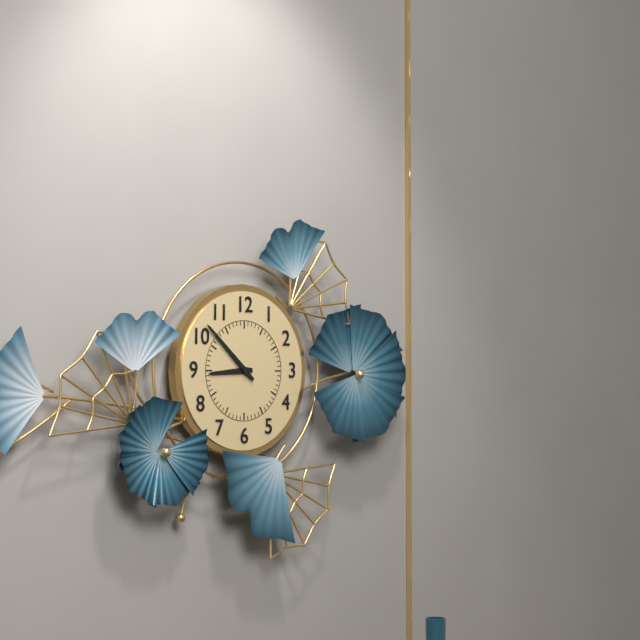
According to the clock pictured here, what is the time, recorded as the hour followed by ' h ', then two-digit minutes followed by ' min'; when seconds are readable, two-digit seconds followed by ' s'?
8 h 52 min
